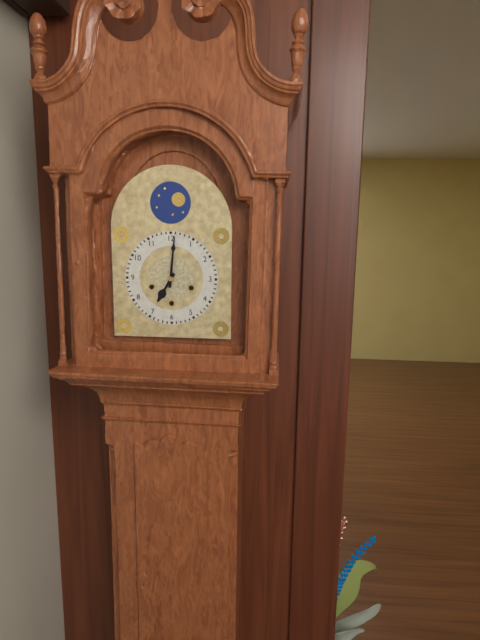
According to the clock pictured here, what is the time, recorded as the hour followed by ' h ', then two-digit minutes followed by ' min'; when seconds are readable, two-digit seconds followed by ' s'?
7 h 01 min
